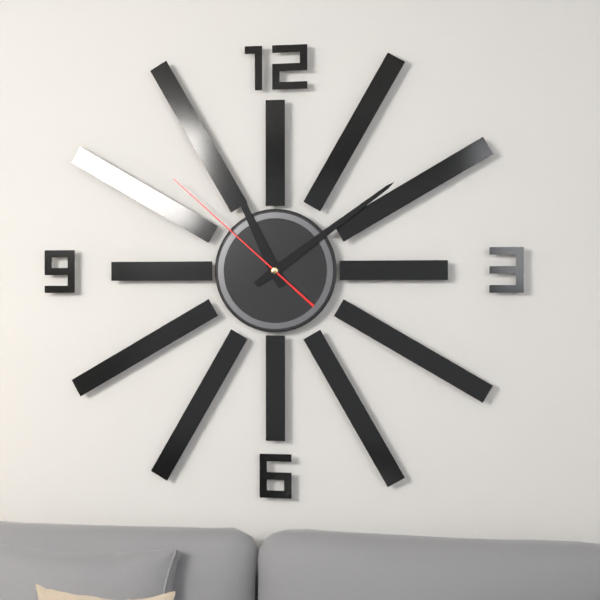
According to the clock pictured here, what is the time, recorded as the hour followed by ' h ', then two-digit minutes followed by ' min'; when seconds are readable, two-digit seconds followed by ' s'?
11 h 09 min 52 s
